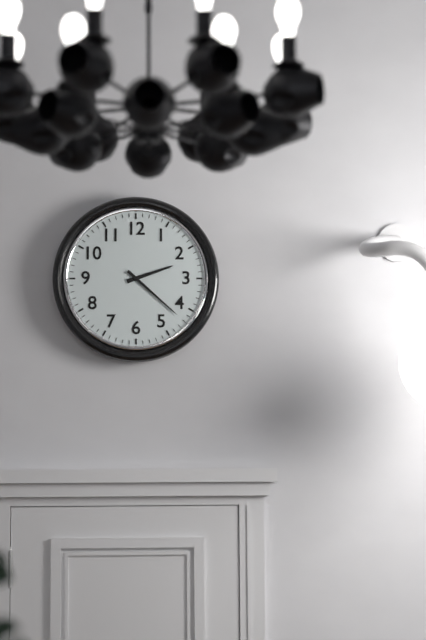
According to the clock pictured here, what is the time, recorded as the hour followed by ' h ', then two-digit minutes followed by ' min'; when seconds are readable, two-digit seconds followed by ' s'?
2 h 22 min
